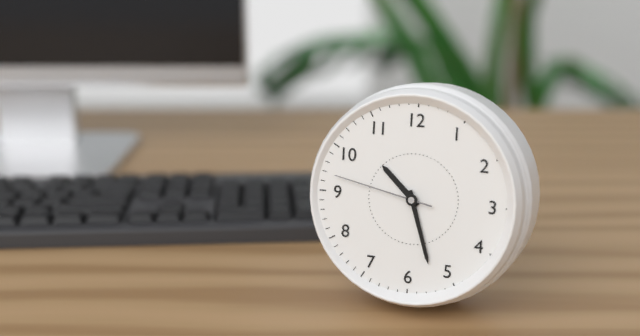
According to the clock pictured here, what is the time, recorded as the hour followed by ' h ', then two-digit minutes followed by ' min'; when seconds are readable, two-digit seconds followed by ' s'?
10 h 27 min 47 s
